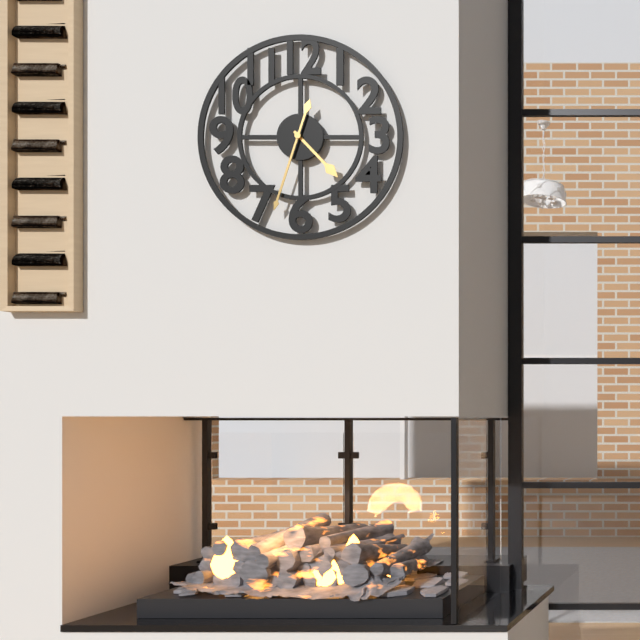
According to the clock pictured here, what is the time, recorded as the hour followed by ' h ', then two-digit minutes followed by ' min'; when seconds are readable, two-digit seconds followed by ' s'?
4 h 33 min
